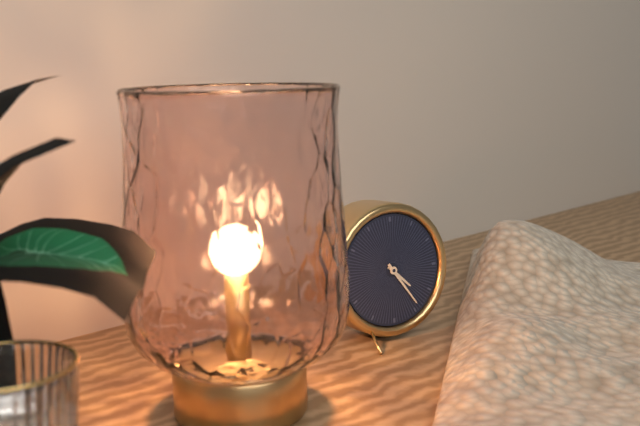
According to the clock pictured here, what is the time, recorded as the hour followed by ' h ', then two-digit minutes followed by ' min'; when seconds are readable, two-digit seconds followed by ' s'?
4 h 24 min
